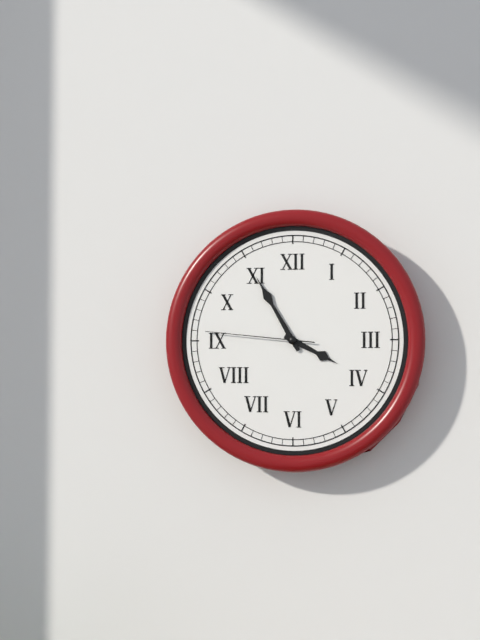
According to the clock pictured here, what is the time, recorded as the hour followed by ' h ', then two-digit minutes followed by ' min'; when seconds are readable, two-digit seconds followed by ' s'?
3 h 55 min 46 s
